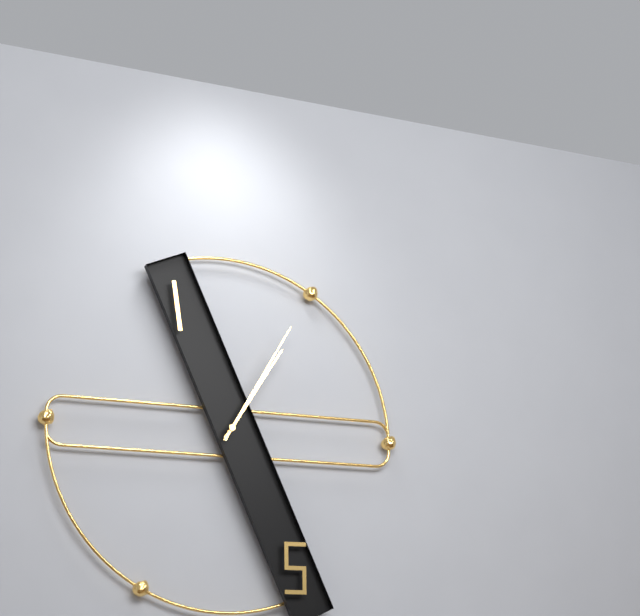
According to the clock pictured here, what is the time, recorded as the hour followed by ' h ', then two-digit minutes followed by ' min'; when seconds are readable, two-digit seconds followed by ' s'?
1 h 05 min
